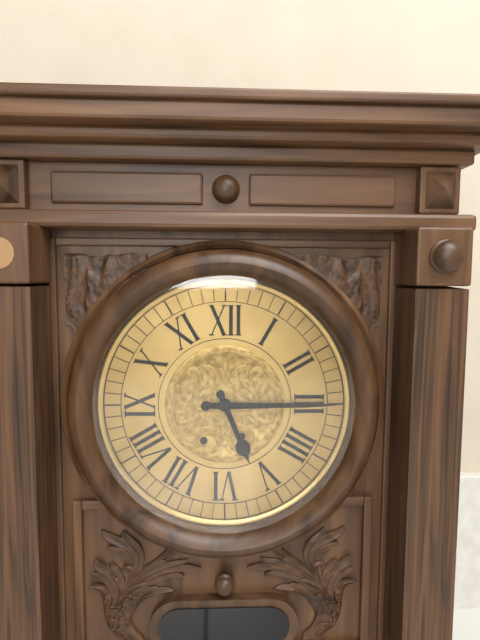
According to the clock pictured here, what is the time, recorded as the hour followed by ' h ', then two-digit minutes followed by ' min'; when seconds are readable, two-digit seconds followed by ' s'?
5 h 15 min
